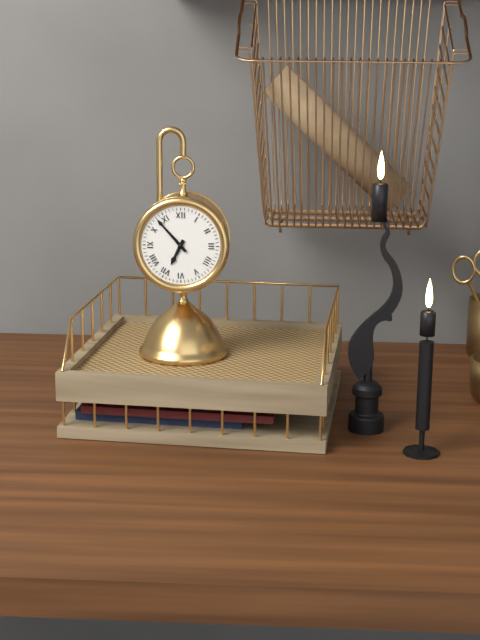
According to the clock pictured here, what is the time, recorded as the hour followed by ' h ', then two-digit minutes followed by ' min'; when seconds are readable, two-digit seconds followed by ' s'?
6 h 53 min
